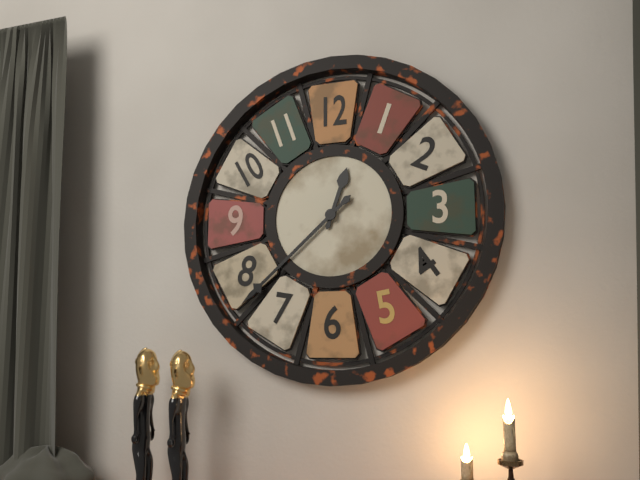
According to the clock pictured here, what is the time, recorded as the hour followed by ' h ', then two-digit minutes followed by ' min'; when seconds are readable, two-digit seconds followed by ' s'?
12 h 38 min
